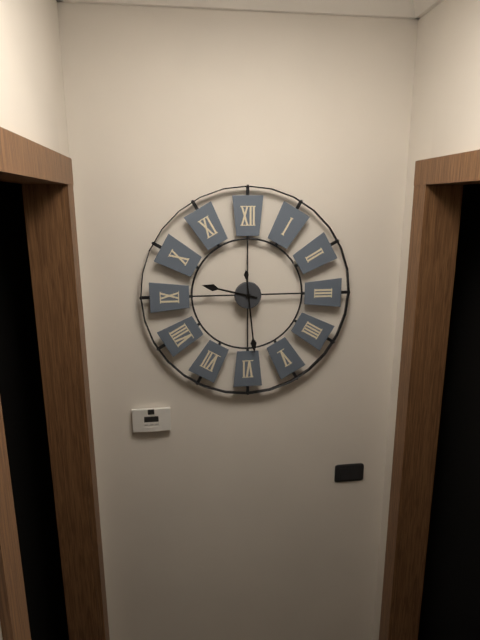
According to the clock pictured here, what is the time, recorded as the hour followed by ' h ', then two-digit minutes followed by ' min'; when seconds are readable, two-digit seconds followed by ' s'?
9 h 29 min
